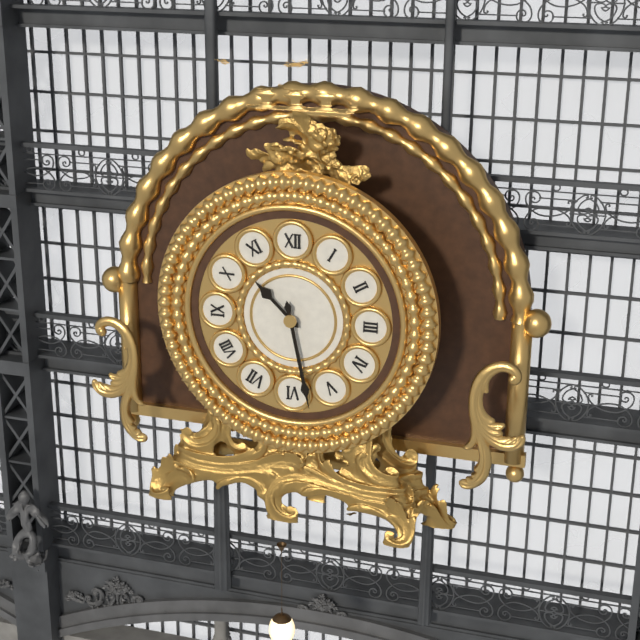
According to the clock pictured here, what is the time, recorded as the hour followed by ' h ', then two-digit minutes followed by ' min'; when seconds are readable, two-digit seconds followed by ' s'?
10 h 28 min
